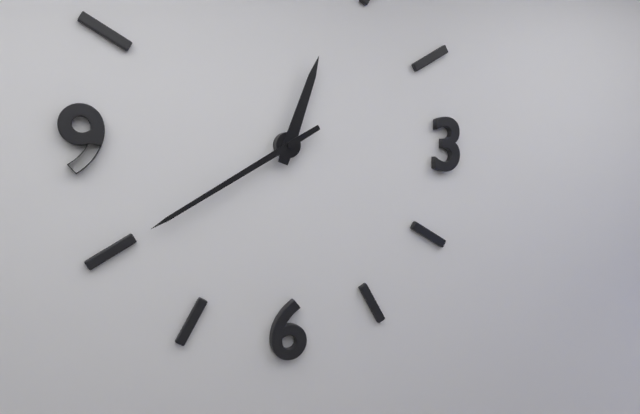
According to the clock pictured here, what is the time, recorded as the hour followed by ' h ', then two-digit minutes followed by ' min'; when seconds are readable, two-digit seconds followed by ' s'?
12 h 40 min
